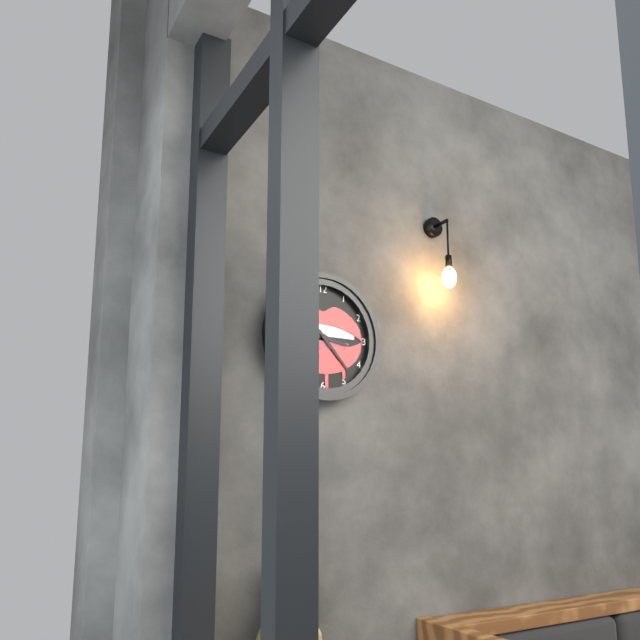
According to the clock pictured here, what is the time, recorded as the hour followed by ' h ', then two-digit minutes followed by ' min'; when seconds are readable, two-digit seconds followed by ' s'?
3 h 23 min
